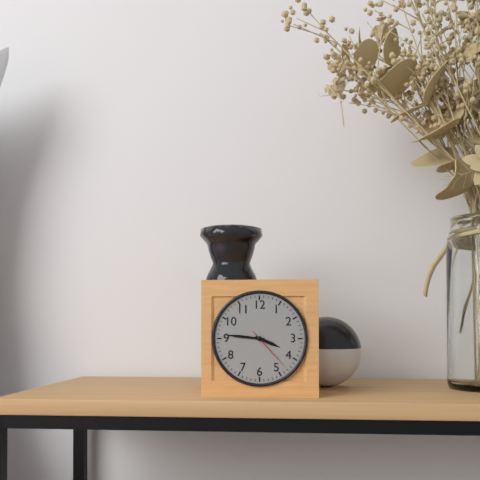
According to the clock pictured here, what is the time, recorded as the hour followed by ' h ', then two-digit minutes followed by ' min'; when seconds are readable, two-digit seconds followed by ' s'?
3 h 46 min 23 s
